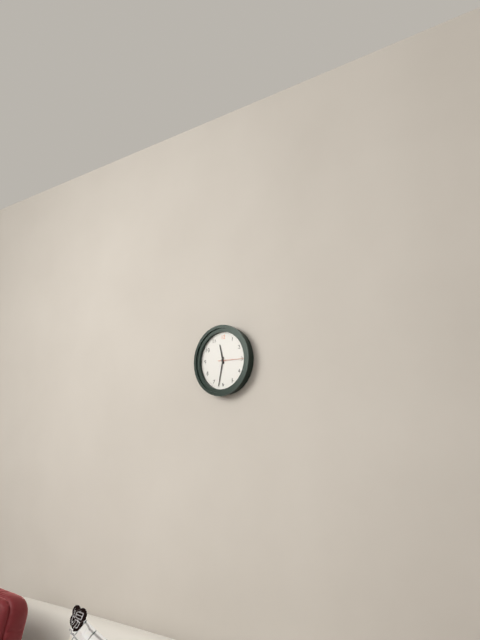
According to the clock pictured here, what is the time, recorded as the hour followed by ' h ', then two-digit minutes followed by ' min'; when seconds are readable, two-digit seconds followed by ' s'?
11 h 32 min
